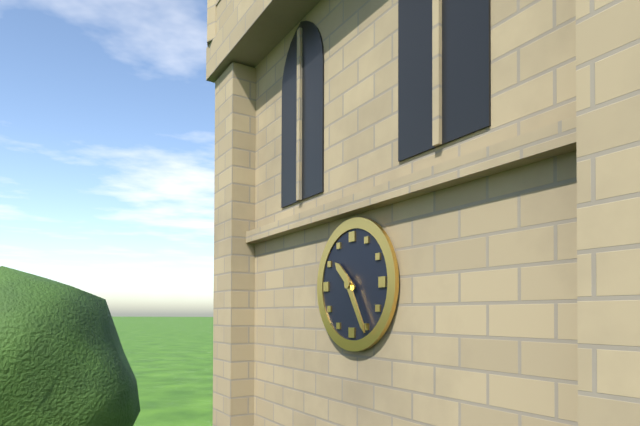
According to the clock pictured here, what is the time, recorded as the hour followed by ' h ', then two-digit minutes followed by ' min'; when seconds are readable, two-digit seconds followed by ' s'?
10 h 25 min
